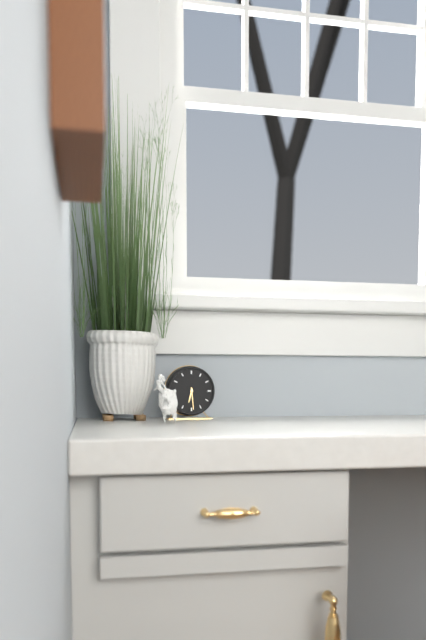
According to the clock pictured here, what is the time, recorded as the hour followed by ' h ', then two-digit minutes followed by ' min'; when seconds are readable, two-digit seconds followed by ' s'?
6 h 29 min
